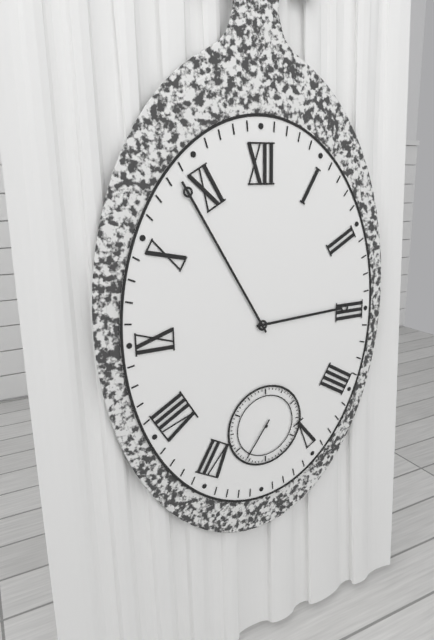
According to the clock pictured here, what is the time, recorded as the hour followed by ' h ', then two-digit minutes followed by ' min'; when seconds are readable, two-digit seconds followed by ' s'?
2 h 55 min
